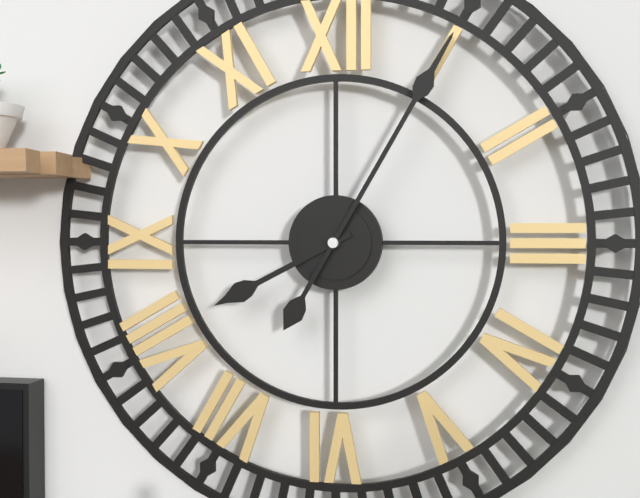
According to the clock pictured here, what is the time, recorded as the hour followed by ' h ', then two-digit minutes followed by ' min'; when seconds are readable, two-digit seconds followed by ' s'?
8 h 05 min
